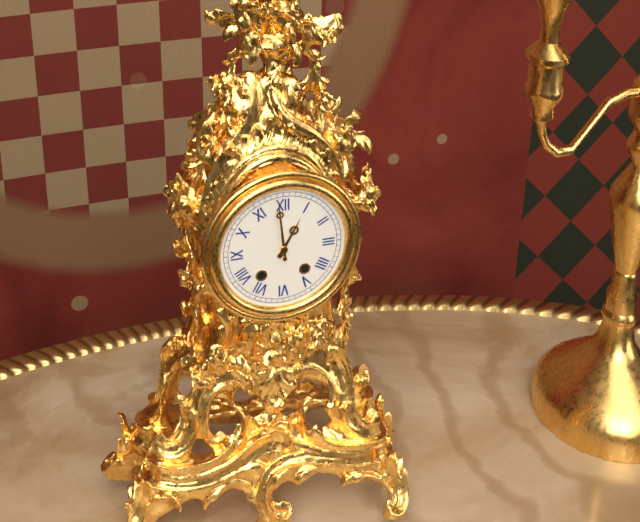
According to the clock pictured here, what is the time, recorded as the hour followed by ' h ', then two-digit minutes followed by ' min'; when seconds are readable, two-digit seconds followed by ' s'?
12 h 59 min
